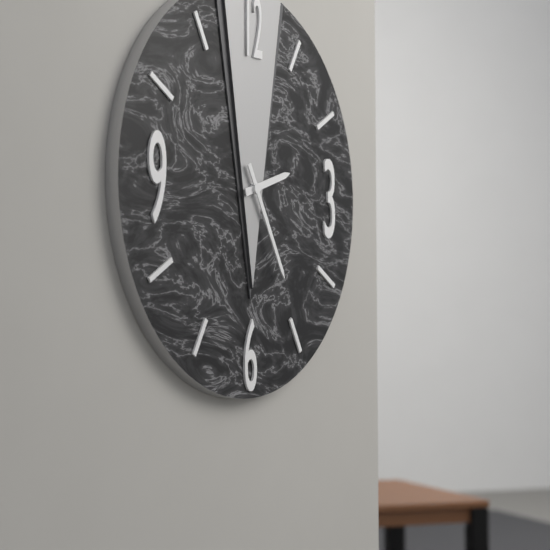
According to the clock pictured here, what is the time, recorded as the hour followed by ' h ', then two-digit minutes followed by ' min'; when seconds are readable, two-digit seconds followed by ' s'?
2 h 25 min
